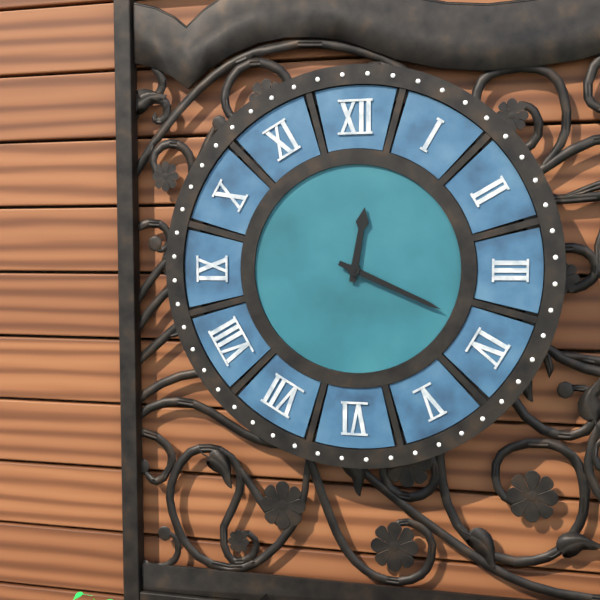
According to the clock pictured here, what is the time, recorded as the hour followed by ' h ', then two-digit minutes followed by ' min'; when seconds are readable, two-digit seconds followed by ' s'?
12 h 19 min
